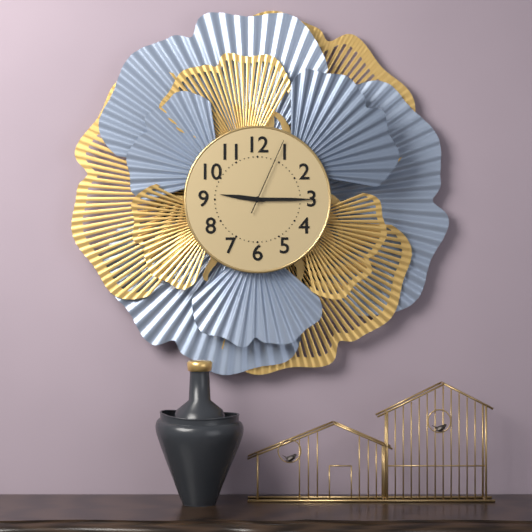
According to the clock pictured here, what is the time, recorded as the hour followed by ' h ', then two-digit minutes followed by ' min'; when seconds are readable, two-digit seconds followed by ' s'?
9 h 15 min 04 s
